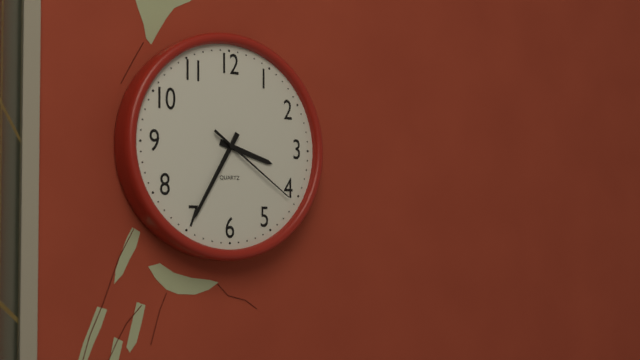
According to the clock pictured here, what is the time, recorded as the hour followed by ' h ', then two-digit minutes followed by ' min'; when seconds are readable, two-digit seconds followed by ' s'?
3 h 35 min 21 s
